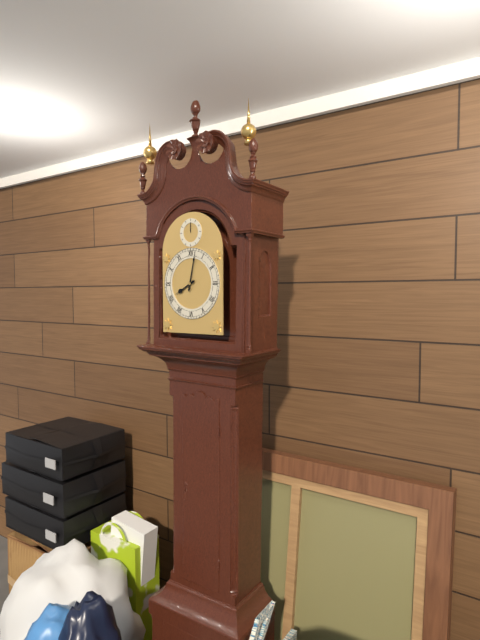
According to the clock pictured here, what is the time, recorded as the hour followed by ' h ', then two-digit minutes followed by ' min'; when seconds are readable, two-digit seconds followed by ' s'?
8 h 02 min
